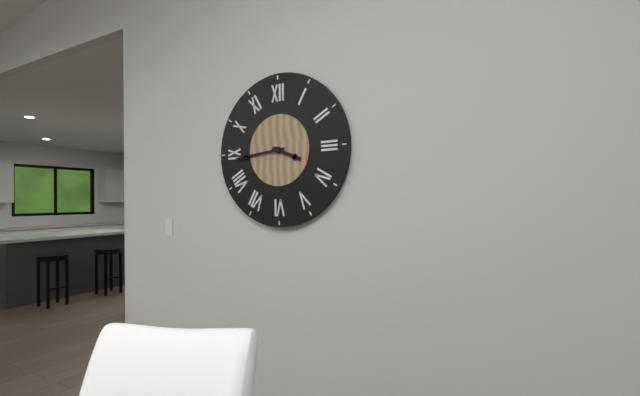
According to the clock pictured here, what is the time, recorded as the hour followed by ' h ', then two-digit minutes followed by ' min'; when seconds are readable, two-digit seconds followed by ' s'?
3 h 44 min
